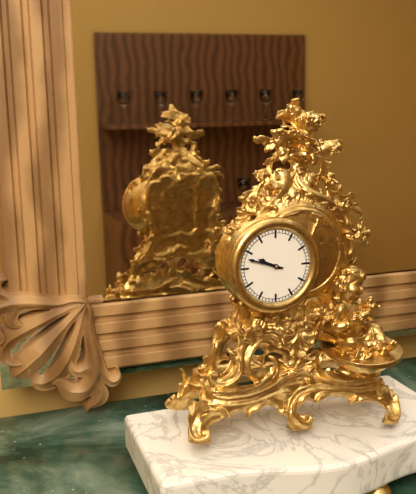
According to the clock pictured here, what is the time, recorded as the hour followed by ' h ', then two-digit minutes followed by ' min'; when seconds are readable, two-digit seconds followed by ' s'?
9 h 48 min
